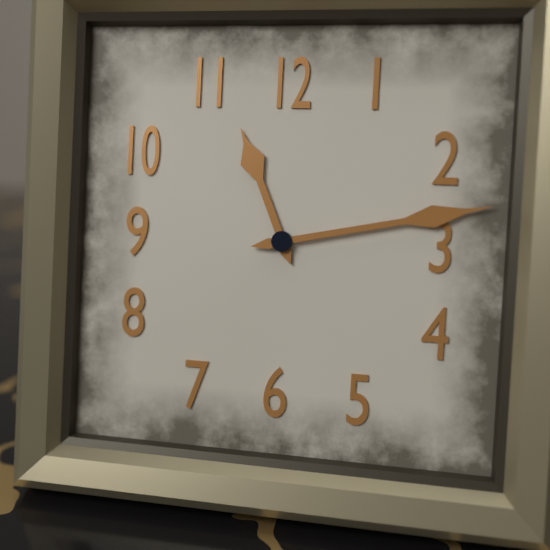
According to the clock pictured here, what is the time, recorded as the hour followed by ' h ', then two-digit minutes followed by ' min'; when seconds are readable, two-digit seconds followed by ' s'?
11 h 13 min
